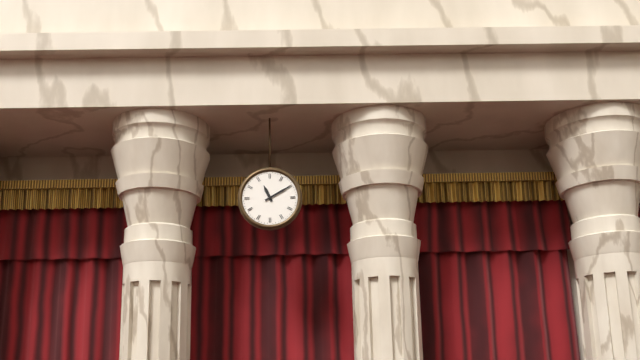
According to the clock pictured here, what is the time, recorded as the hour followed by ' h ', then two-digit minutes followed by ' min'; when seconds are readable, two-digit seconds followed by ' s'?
11 h 10 min
